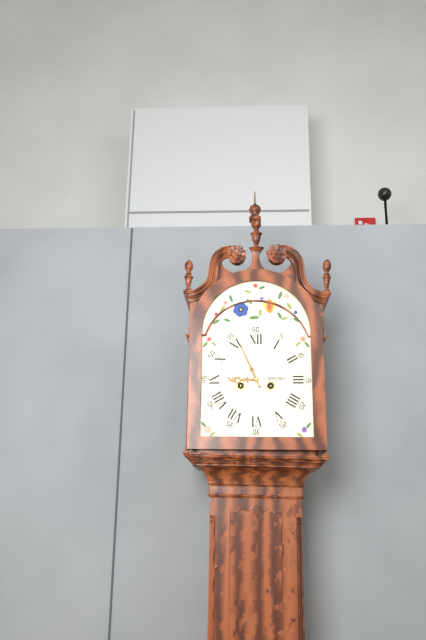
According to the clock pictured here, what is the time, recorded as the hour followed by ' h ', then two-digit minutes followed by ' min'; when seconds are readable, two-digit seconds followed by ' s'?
8 h 56 min
